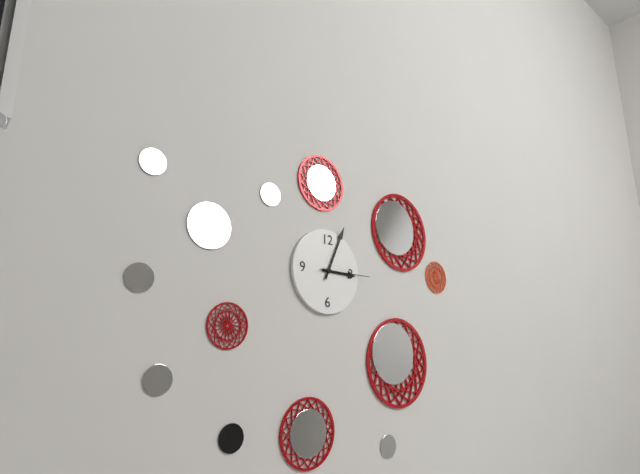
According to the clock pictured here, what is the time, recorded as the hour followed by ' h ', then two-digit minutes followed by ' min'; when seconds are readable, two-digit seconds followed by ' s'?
3 h 04 min 15 s
